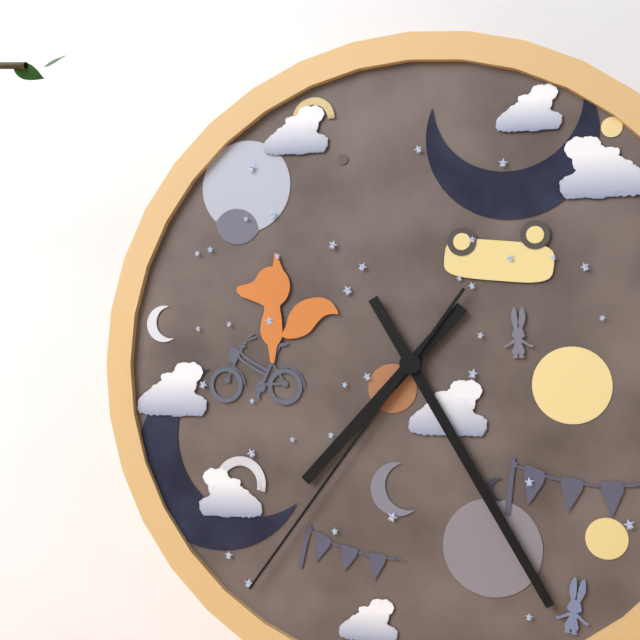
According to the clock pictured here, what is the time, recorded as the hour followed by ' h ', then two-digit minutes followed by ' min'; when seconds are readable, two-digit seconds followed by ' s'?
7 h 25 min 36 s
